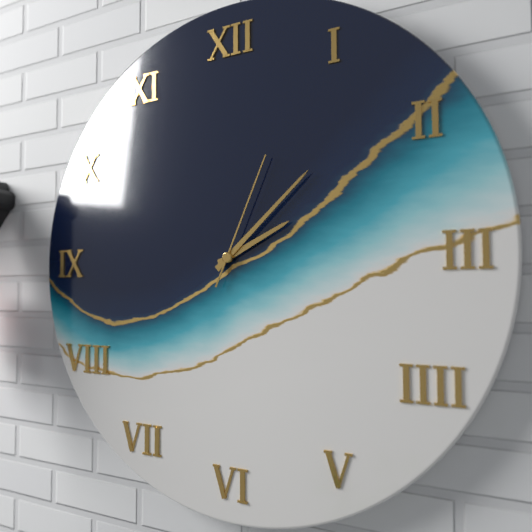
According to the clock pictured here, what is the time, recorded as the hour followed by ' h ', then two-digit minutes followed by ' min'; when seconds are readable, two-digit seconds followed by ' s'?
2 h 08 min 04 s
